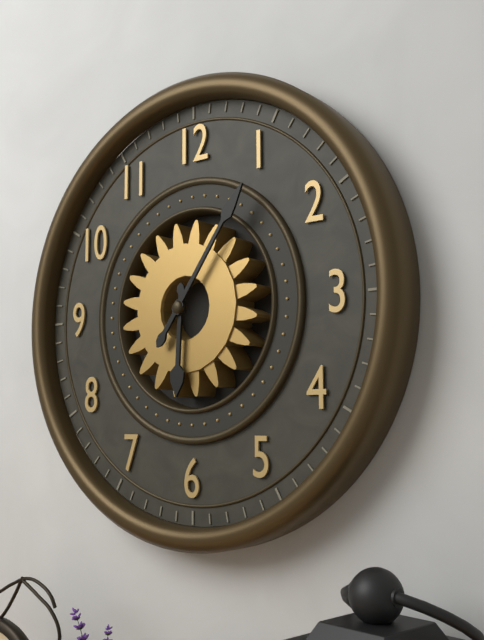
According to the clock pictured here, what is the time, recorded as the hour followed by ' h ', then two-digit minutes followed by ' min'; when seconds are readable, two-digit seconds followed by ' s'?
6 h 06 min
